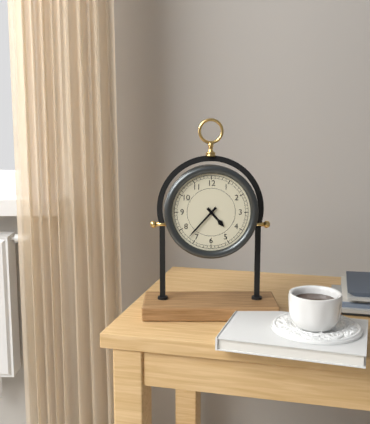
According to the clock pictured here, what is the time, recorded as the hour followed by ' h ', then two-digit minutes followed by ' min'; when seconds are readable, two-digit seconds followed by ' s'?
4 h 37 min
